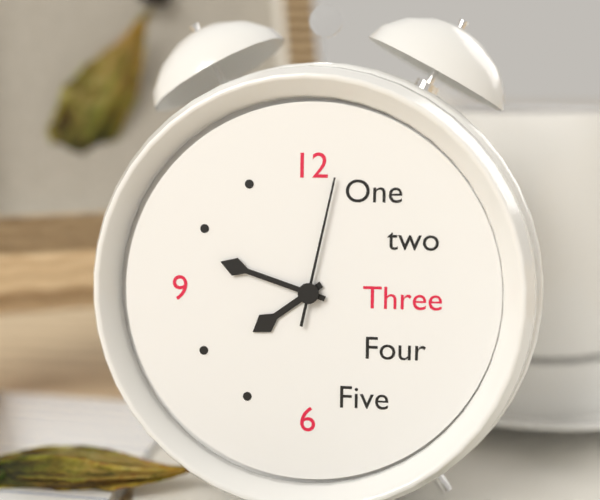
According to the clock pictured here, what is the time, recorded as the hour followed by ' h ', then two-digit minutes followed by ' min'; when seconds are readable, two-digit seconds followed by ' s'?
7 h 48 min 02 s
